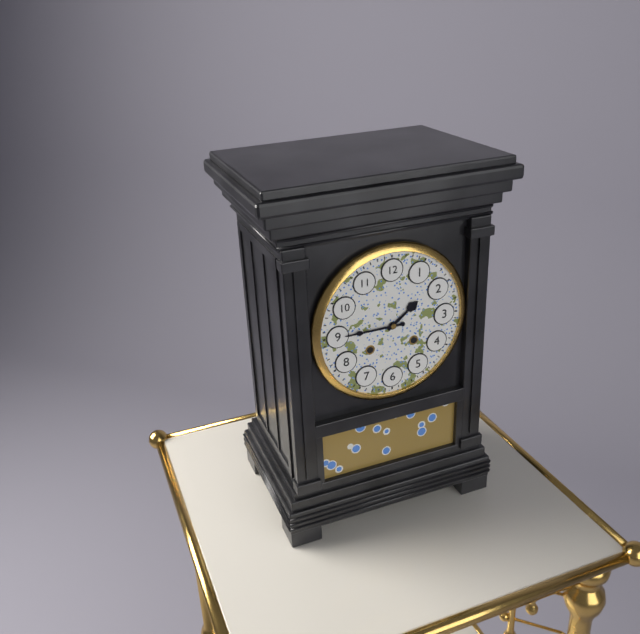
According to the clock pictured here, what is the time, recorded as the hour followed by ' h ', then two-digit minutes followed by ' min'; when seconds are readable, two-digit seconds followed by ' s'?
1 h 45 min
